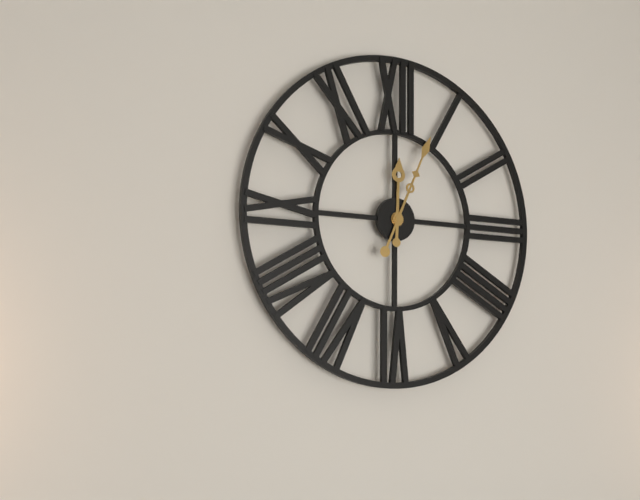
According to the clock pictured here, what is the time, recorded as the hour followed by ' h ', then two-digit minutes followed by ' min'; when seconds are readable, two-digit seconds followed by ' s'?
12 h 04 min
